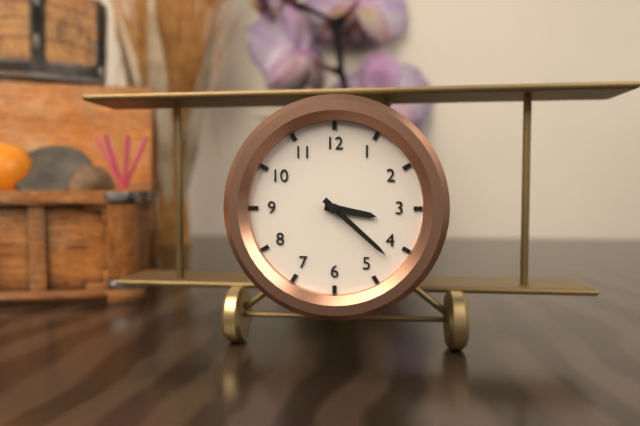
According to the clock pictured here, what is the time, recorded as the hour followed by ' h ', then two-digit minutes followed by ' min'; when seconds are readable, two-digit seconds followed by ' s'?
3 h 22 min
